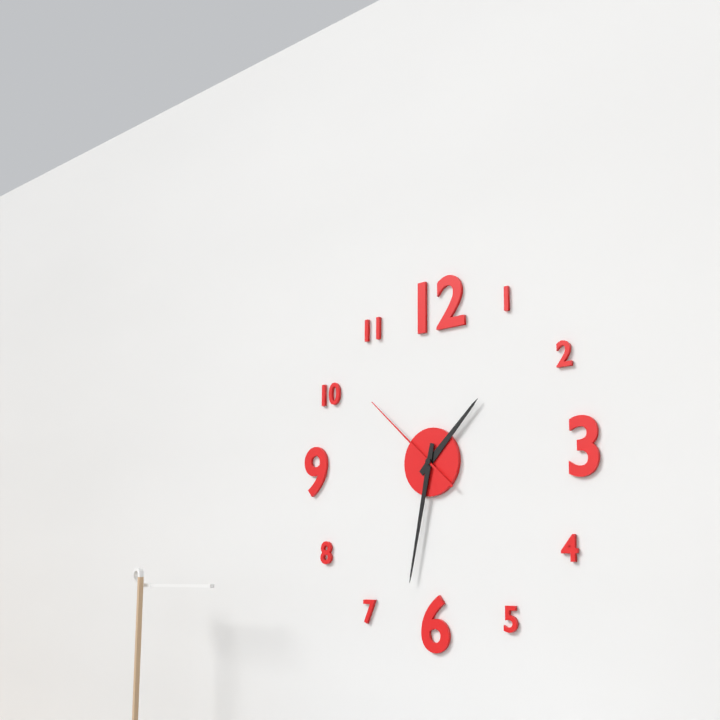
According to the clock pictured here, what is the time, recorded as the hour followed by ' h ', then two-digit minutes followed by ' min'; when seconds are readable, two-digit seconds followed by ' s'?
1 h 32 min 52 s
